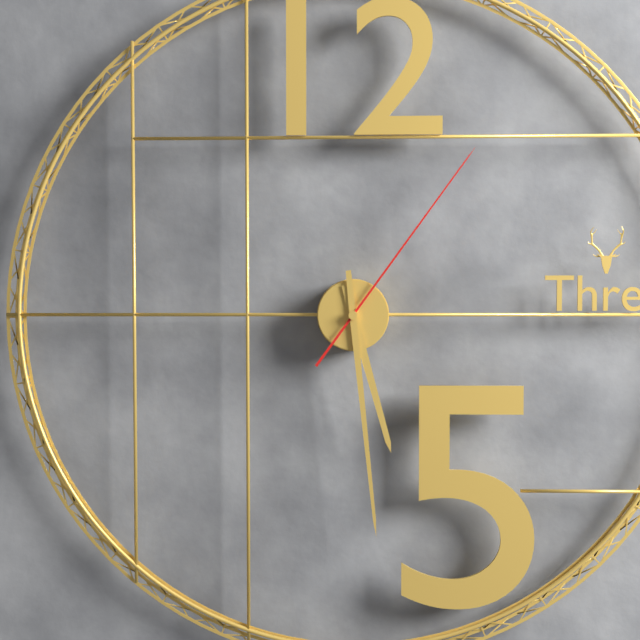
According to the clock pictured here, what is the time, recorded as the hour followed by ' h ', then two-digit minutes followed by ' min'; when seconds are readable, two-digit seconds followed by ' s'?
5 h 29 min 06 s
